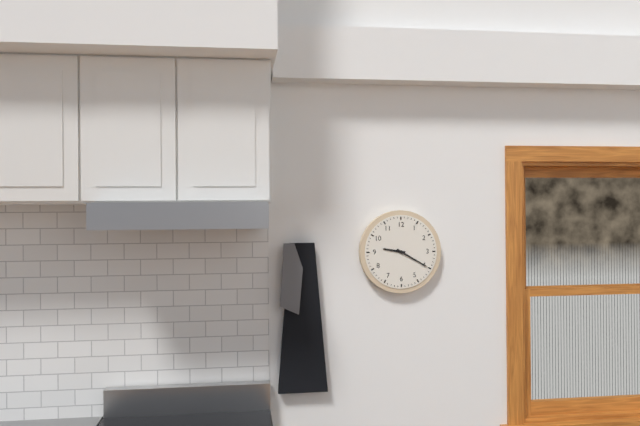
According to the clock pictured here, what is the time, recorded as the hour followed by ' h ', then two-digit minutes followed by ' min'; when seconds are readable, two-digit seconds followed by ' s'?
9 h 20 min
